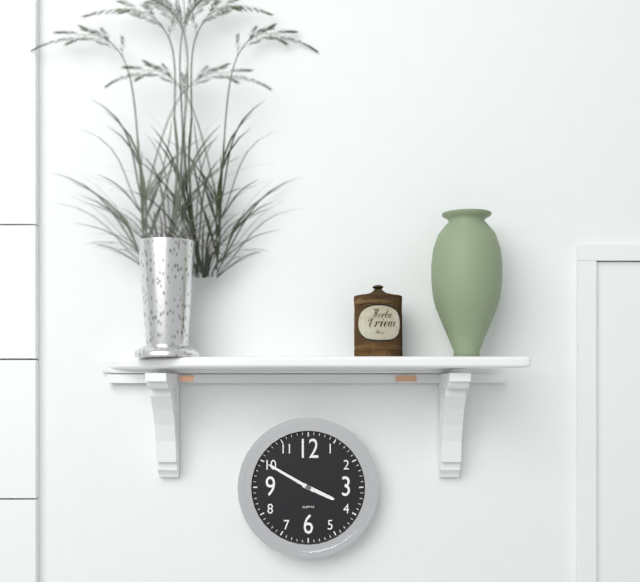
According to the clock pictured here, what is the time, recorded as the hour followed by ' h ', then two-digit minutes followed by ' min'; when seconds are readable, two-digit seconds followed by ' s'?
3 h 50 min
